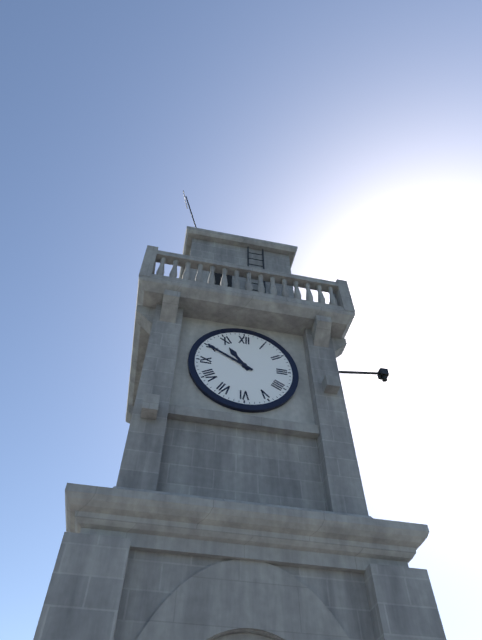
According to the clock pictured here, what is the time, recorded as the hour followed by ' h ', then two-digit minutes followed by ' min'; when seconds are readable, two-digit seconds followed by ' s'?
10 h 50 min
